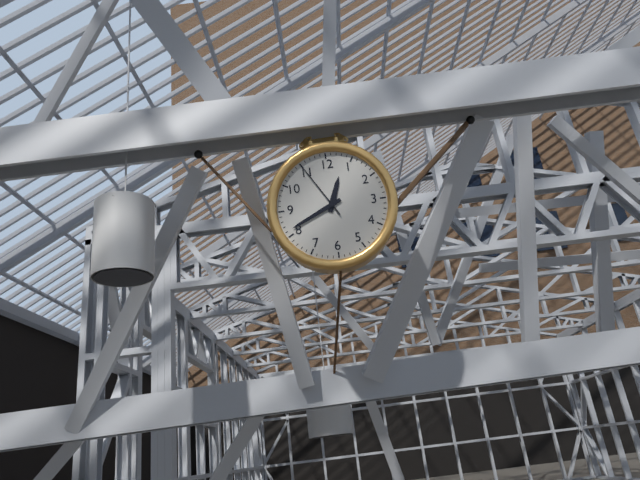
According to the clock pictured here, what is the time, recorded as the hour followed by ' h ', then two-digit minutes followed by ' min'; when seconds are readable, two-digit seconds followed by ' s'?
12 h 41 min 55 s
